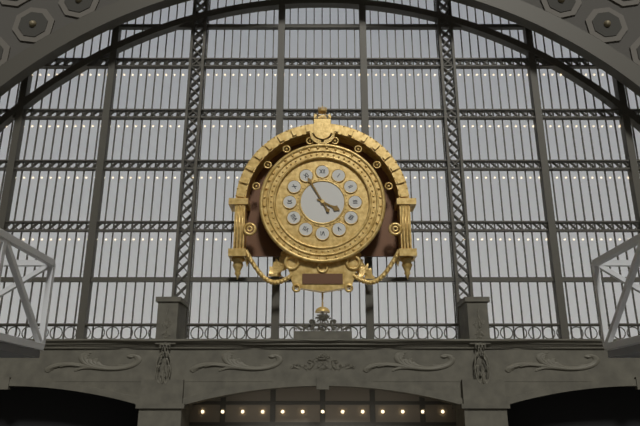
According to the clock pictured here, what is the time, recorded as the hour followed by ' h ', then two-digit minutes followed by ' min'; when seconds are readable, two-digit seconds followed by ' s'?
3 h 55 min
